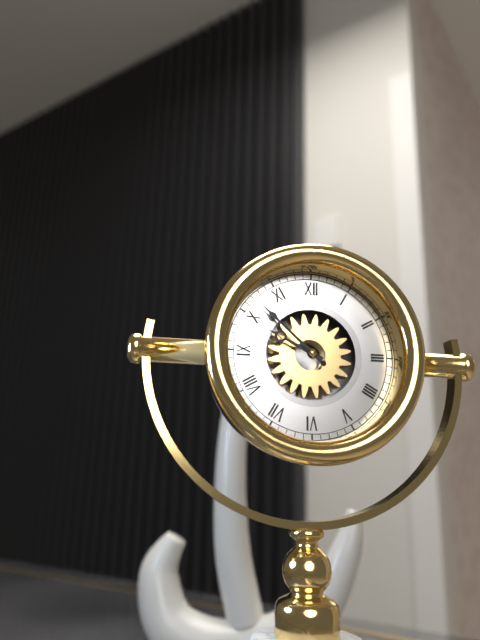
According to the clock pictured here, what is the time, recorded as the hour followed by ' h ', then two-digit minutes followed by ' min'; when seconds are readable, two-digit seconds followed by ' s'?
9 h 52 min
